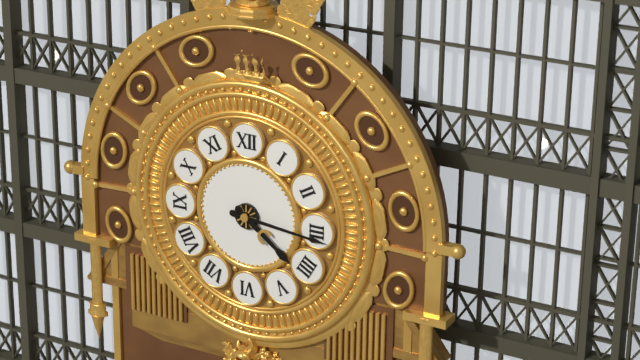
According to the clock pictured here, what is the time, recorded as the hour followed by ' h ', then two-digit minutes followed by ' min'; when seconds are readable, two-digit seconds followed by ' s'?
4 h 16 min
